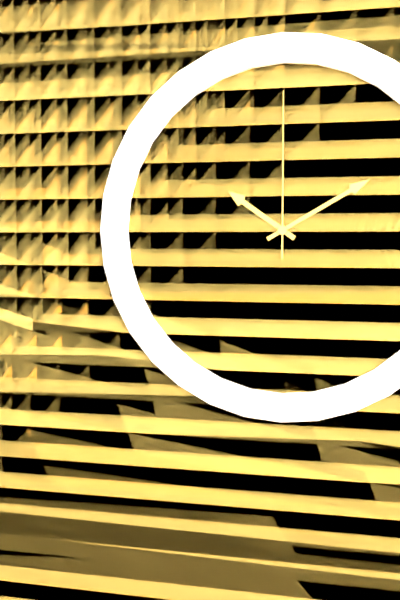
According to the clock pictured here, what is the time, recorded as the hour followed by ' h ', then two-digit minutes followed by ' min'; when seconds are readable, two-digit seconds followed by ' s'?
10 h 10 min 00 s
